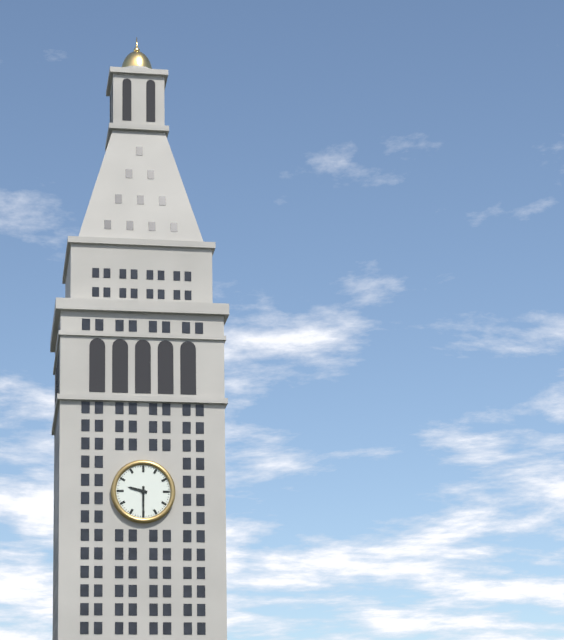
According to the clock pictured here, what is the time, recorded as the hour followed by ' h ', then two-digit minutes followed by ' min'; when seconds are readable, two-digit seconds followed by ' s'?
9 h 30 min
